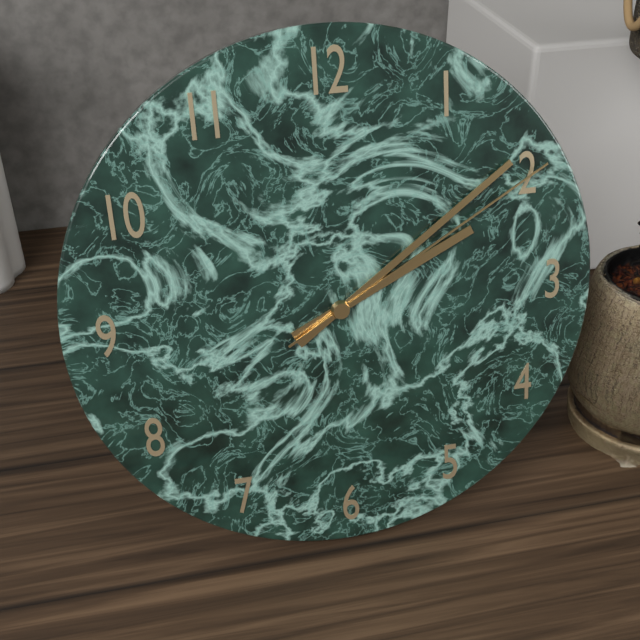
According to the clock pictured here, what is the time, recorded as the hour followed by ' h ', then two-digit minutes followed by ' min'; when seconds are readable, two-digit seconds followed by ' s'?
2 h 09 min 10 s
